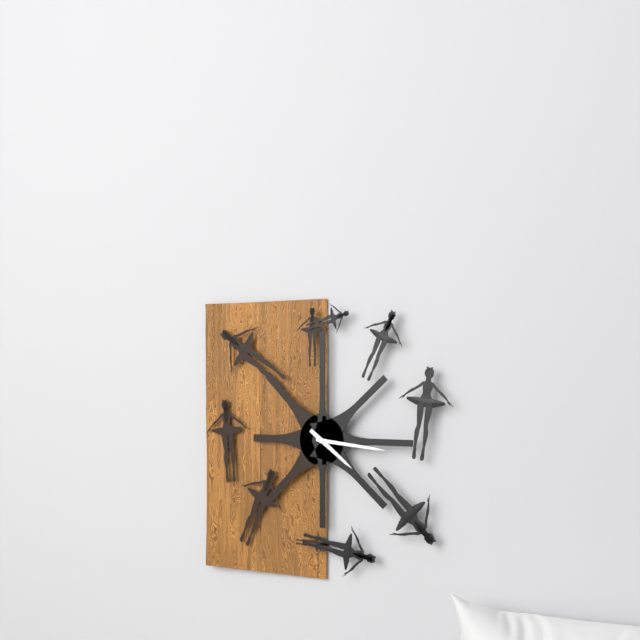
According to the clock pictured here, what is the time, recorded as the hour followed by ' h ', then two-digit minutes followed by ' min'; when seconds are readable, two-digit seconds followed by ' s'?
4 h 16 min
